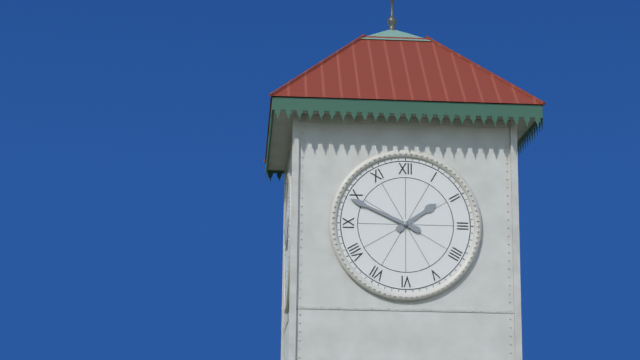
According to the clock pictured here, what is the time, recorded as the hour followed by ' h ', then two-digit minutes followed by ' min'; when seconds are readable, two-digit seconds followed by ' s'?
1 h 49 min
